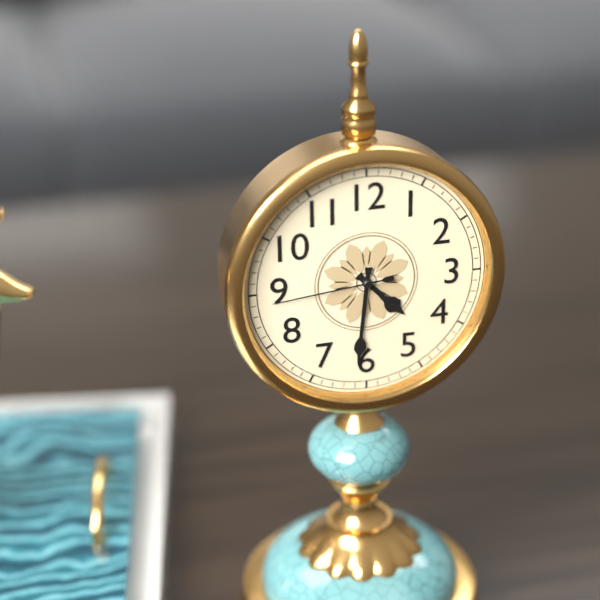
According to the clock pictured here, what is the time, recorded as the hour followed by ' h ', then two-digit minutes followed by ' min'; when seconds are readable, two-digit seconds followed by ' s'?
4 h 31 min 44 s
